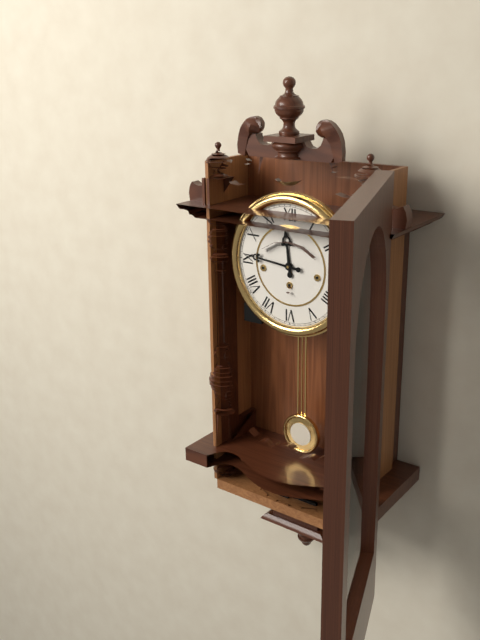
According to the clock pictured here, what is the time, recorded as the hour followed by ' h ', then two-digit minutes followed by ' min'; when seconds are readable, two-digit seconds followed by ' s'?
11 h 46 min
